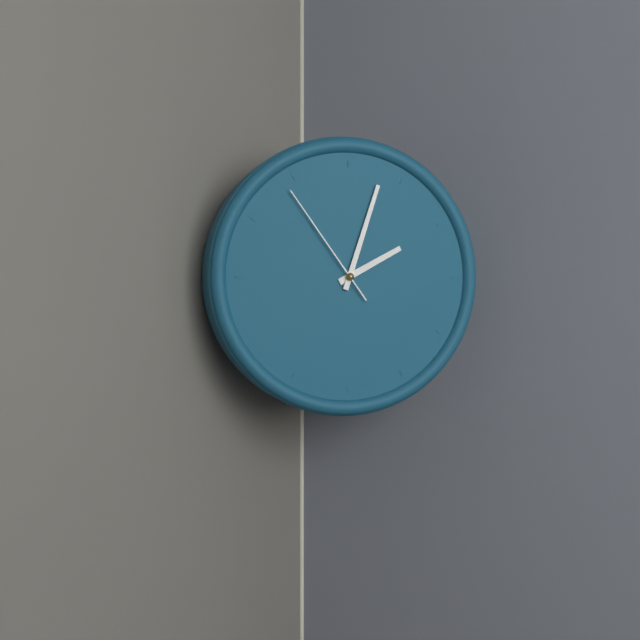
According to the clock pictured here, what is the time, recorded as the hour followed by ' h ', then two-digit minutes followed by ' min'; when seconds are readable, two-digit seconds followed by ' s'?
2 h 03 min 54 s
